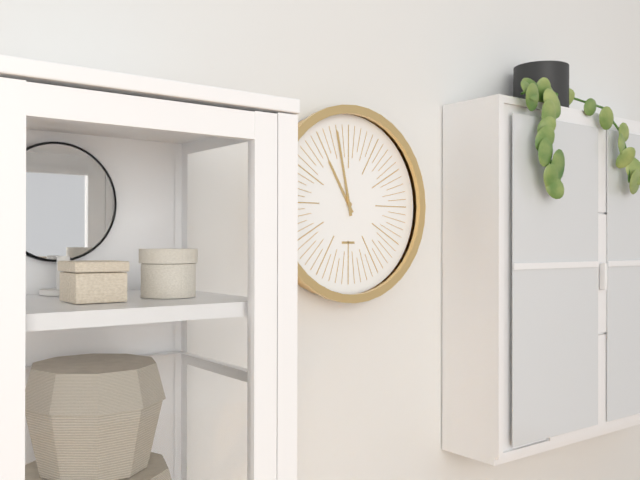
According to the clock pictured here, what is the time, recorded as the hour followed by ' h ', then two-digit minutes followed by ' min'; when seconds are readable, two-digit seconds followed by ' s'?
10 h 58 min
